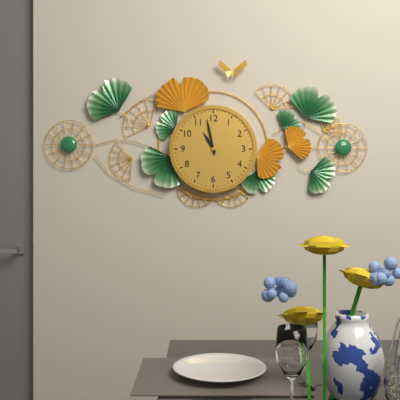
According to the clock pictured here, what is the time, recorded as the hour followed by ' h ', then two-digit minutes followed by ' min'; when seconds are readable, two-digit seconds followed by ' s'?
10 h 58 min
